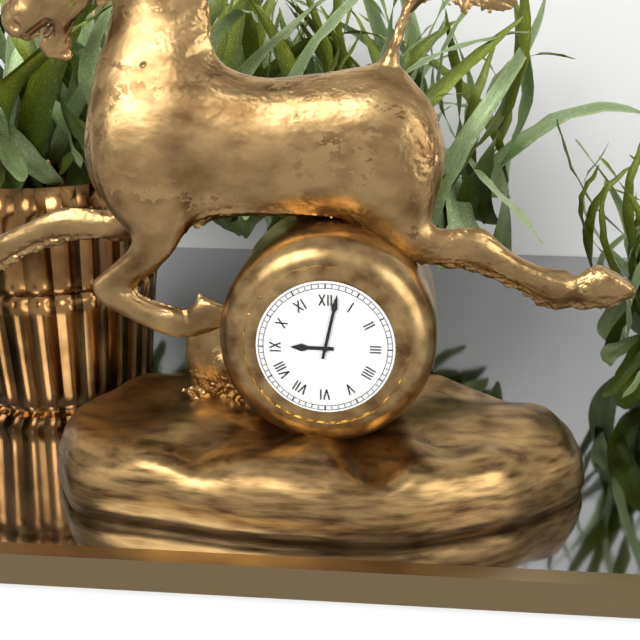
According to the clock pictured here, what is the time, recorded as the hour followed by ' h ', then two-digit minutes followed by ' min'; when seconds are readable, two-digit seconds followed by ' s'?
9 h 02 min
